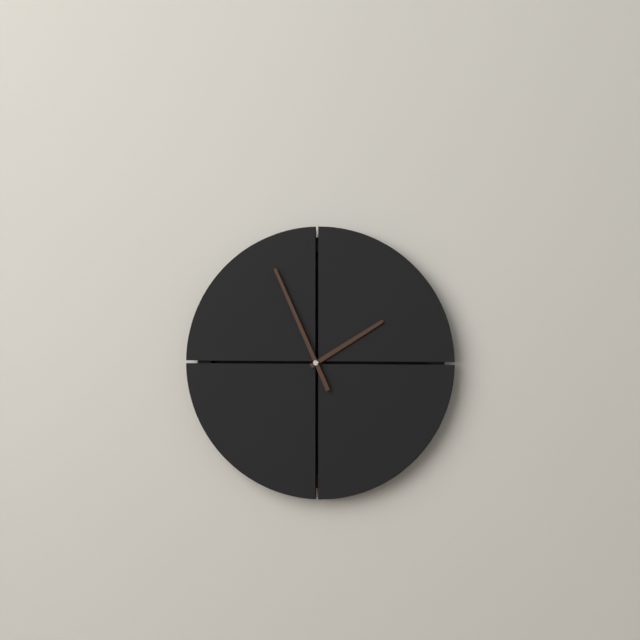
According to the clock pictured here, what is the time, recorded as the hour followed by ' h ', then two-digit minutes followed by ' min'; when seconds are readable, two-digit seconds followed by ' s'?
1 h 56 min
